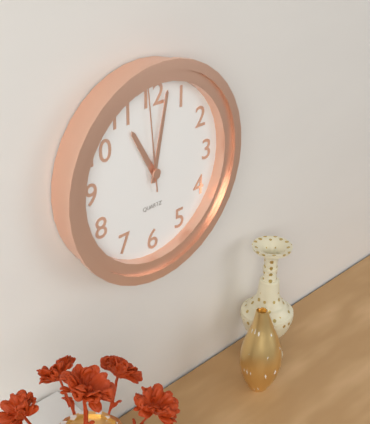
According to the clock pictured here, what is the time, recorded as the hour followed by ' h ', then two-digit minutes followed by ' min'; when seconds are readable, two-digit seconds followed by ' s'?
11 h 02 min 59 s
